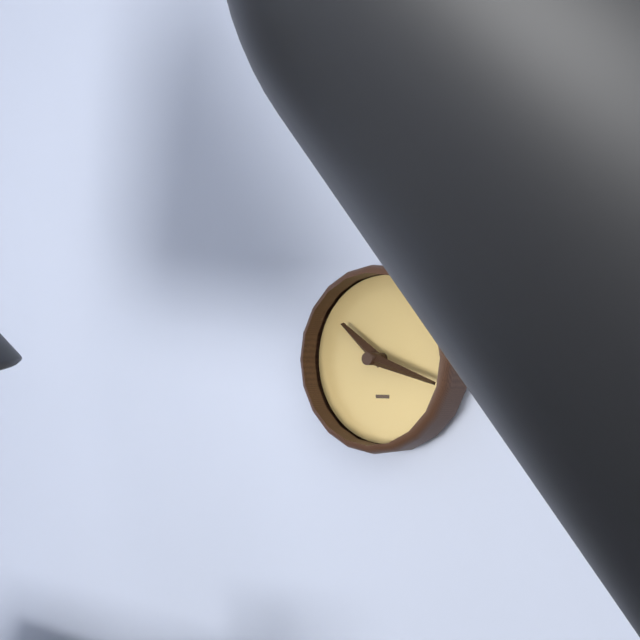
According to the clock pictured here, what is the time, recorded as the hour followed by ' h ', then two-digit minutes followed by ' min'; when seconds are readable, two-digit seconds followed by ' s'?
10 h 18 min
